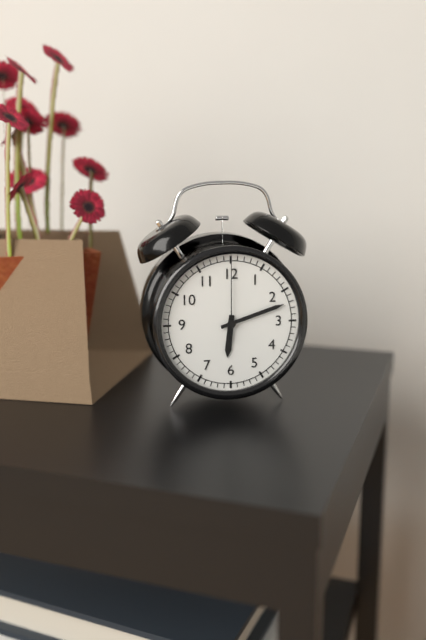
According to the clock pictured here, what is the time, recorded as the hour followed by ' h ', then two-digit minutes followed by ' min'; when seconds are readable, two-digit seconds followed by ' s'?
6 h 12 min 00 s
